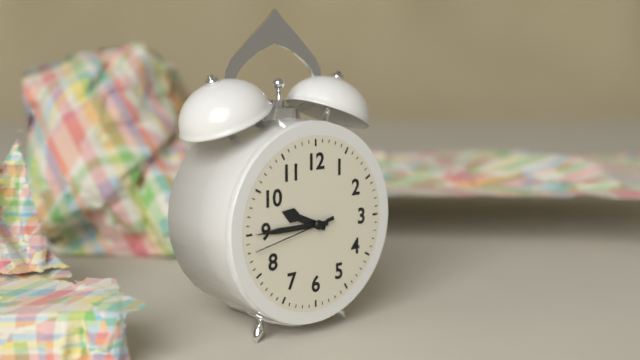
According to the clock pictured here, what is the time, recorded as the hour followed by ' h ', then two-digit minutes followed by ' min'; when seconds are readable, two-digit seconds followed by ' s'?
9 h 45 min 43 s
